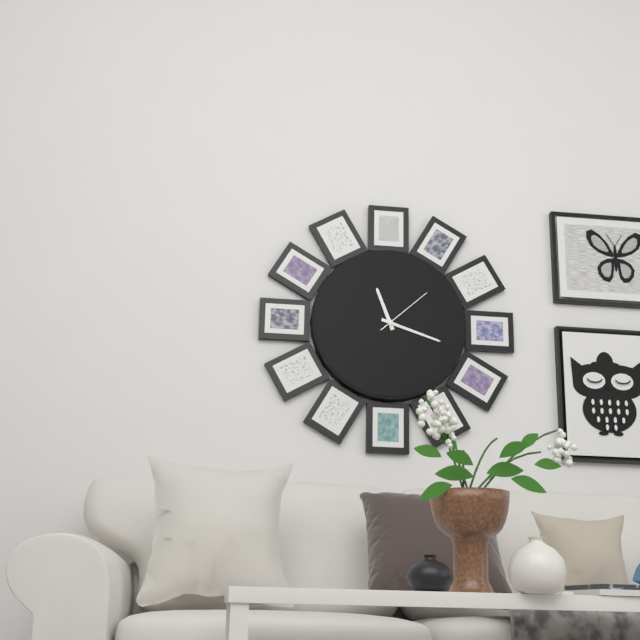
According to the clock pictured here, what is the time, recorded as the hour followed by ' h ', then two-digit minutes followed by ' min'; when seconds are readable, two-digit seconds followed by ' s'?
11 h 18 min 08 s
